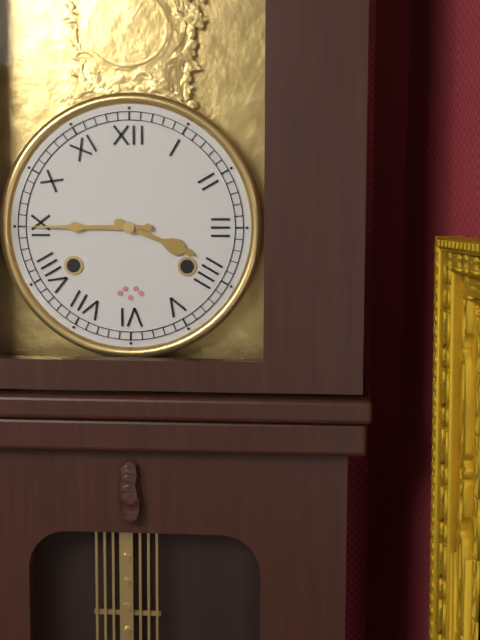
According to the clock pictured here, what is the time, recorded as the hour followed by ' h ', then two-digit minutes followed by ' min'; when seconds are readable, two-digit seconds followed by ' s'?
3 h 45 min
